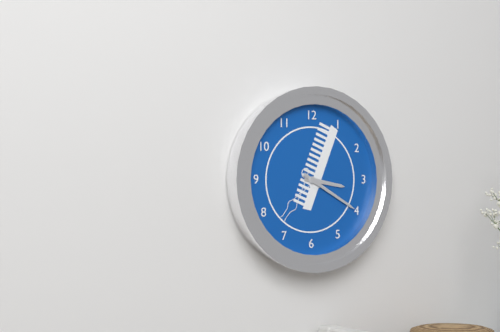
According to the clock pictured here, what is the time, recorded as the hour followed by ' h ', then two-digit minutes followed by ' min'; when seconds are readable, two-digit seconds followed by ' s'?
3 h 20 min
